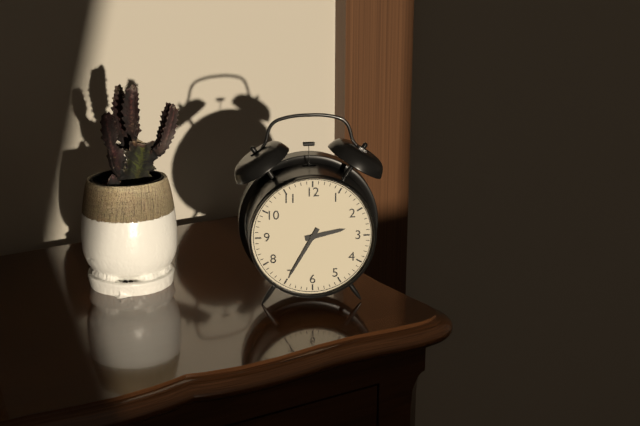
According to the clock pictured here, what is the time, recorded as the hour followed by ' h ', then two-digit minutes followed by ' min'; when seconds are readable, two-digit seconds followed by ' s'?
2 h 35 min
